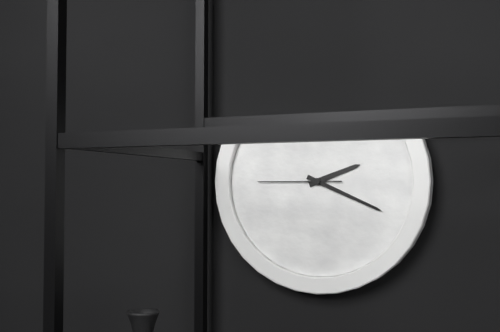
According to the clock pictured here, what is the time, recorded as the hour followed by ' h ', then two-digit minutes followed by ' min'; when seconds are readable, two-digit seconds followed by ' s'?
2 h 19 min 45 s
